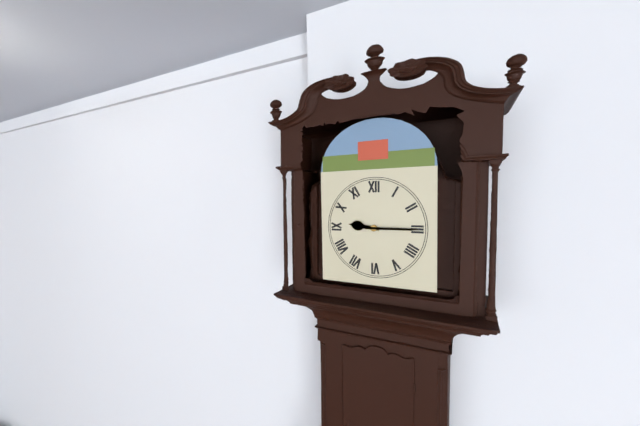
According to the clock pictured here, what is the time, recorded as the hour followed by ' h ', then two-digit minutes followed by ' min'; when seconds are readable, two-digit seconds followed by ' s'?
9 h 15 min
